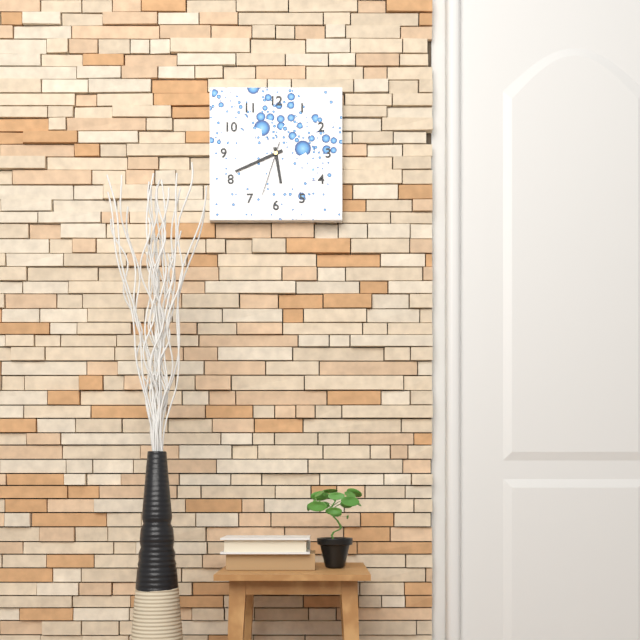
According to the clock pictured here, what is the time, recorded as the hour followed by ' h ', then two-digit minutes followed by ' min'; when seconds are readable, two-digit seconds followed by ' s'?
5 h 41 min 33 s
